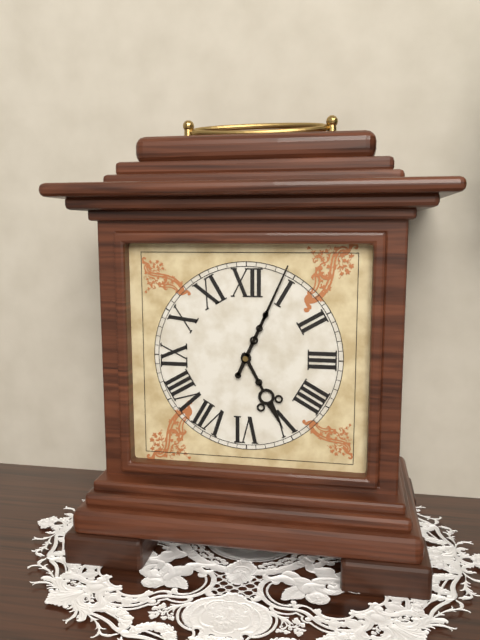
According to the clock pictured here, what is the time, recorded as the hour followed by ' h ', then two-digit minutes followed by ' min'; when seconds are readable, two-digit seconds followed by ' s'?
5 h 04 min
